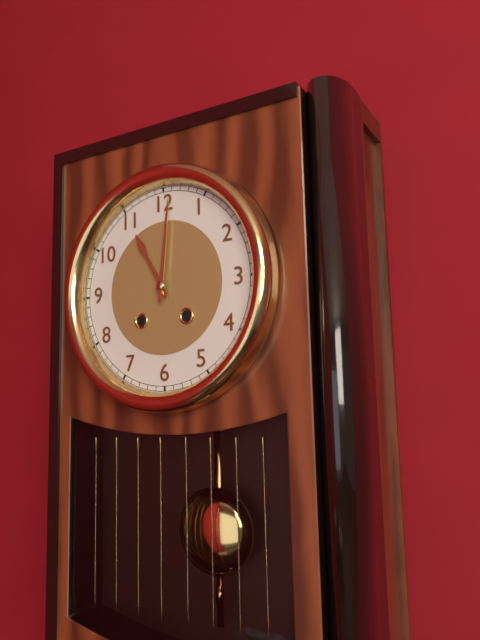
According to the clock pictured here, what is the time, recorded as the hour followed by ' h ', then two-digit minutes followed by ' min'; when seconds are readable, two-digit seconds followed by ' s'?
11 h 01 min
